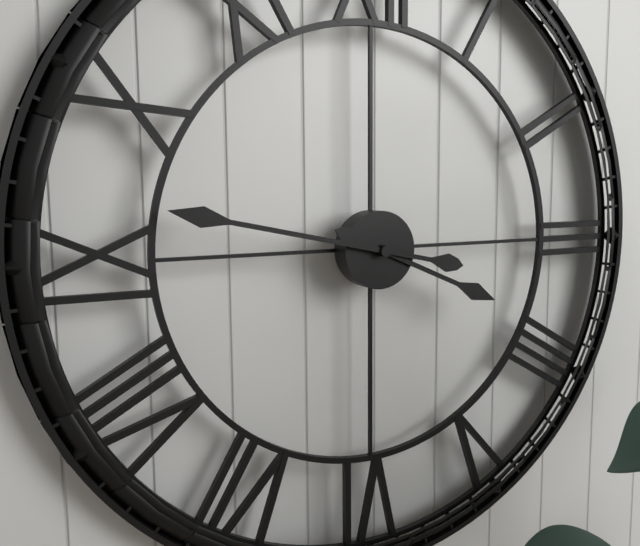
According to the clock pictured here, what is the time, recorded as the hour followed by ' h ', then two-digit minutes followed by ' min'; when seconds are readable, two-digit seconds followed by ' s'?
3 h 47 min
